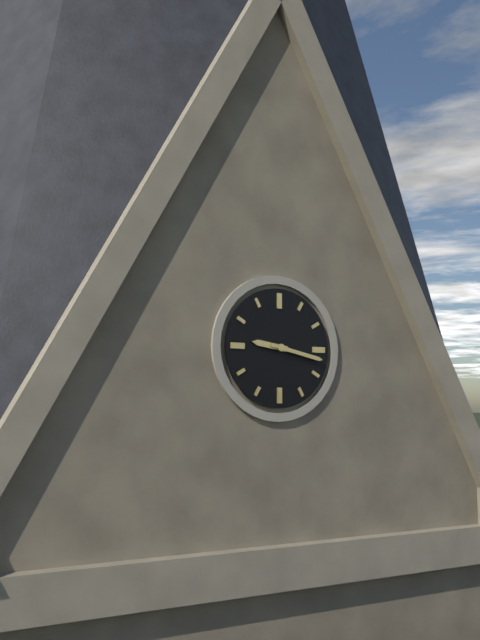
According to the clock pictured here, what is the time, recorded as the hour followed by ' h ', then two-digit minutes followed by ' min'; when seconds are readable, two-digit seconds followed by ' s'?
9 h 17 min
